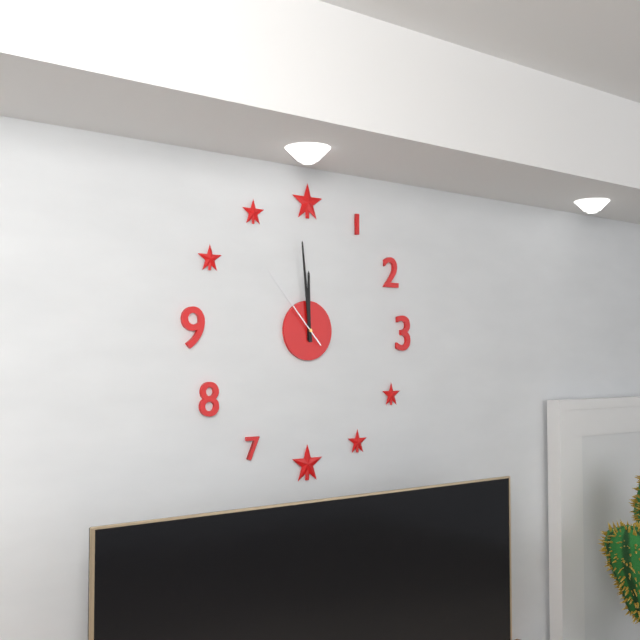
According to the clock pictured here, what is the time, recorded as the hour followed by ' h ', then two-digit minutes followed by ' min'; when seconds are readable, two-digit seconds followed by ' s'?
11 h 59 min 53 s
